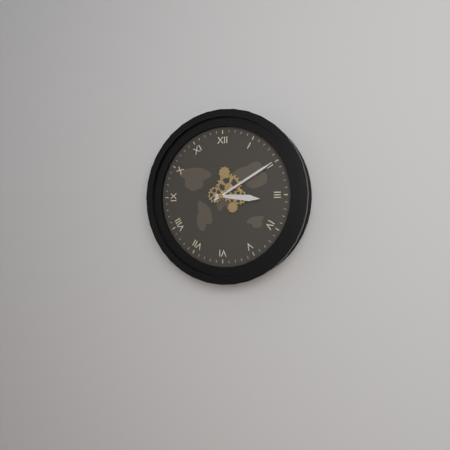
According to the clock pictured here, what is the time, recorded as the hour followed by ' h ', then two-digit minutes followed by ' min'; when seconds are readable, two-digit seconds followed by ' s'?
3 h 10 min
